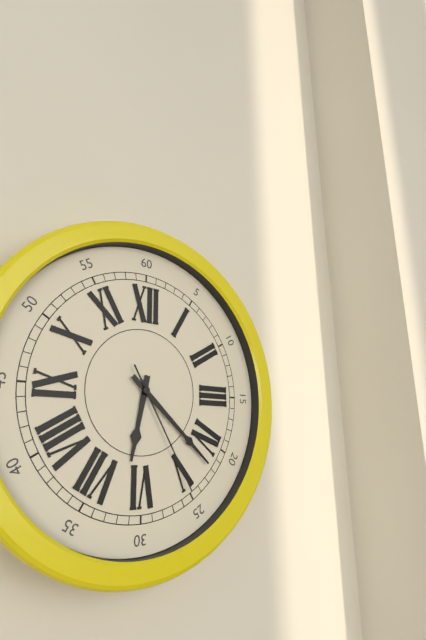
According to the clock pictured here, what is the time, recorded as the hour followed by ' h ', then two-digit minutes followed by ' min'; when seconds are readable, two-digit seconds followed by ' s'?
6 h 22 min 25 s
